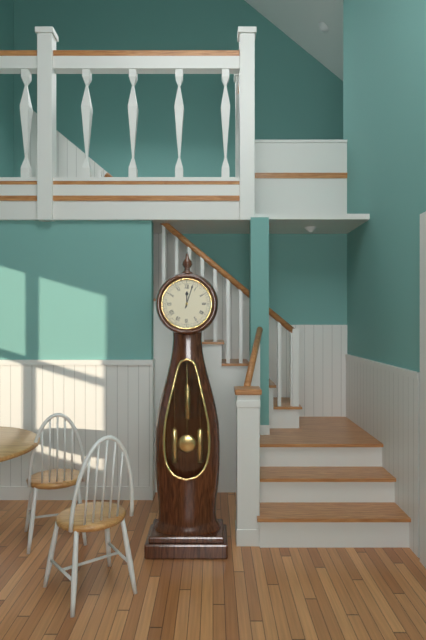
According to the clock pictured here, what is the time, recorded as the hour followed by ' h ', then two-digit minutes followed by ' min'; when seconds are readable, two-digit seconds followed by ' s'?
12 h 03 min
